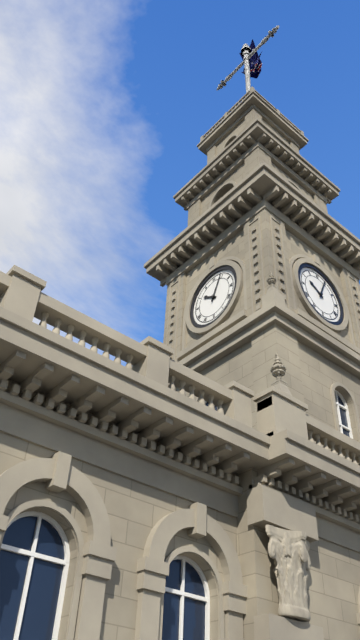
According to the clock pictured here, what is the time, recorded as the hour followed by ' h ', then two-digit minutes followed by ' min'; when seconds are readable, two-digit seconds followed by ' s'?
10 h 04 min
